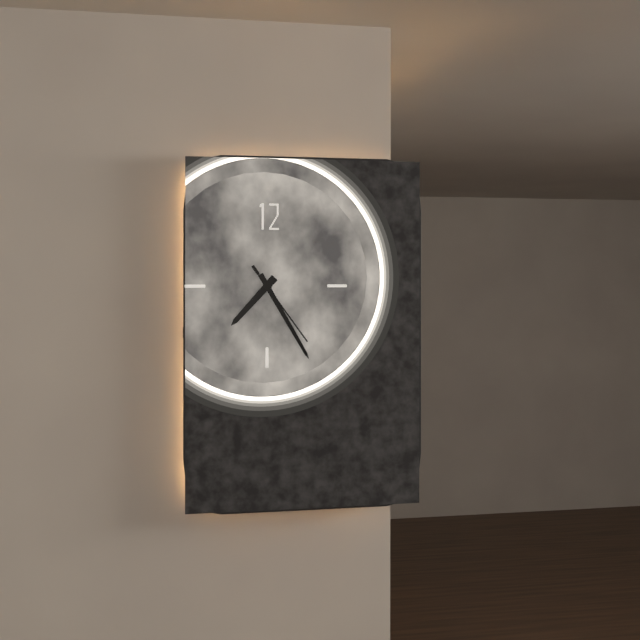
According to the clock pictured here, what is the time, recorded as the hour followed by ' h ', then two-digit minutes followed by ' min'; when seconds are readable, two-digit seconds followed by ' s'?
7 h 25 min 24 s
